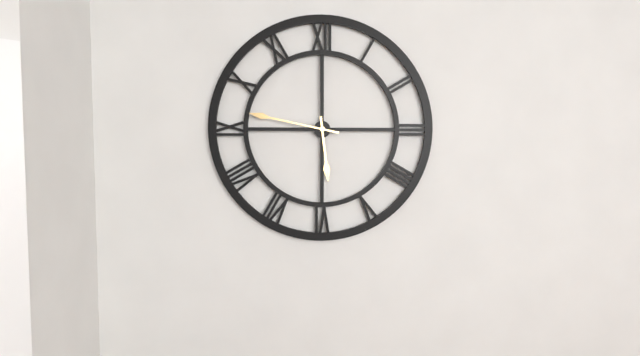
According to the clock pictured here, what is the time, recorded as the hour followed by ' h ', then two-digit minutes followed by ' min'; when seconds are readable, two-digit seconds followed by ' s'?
5 h 47 min
